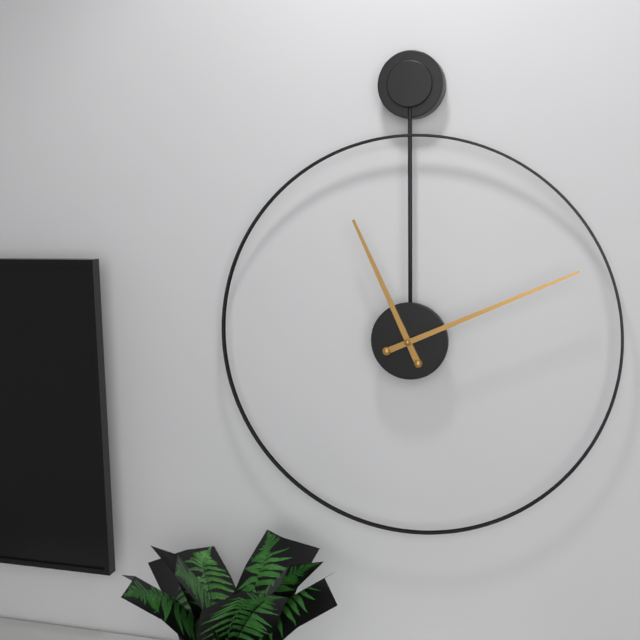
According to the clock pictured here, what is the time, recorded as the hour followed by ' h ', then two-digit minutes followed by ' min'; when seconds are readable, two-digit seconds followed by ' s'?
11 h 11 min
